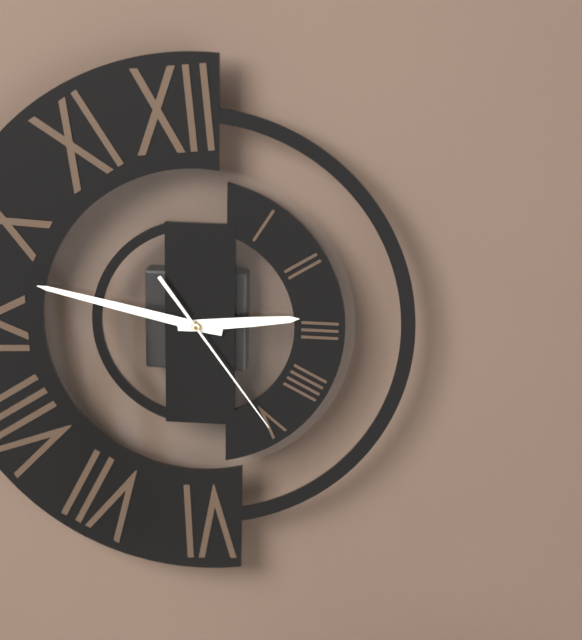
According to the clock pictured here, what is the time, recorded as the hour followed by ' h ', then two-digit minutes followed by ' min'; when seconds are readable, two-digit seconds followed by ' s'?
2 h 47 min 24 s
